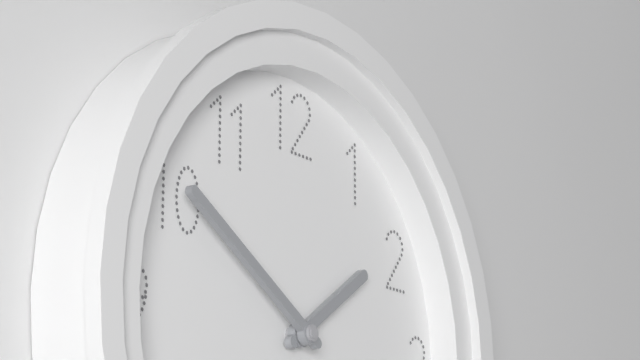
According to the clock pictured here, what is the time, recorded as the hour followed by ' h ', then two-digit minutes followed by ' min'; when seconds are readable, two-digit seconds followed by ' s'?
1 h 50 min
